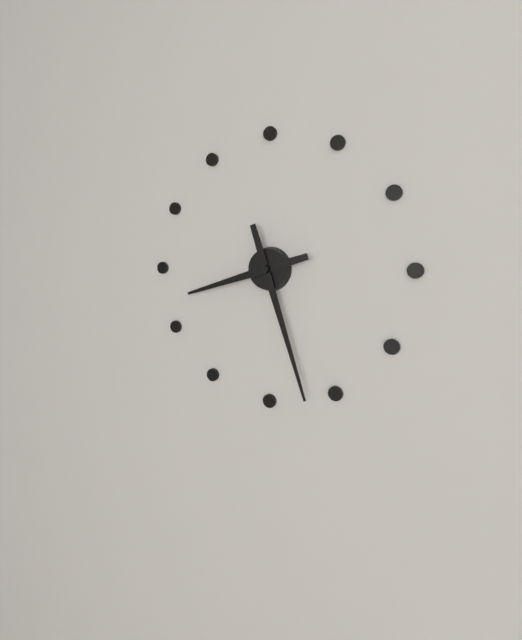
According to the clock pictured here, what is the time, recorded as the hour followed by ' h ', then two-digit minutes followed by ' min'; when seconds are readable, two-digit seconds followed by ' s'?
8 h 27 min
